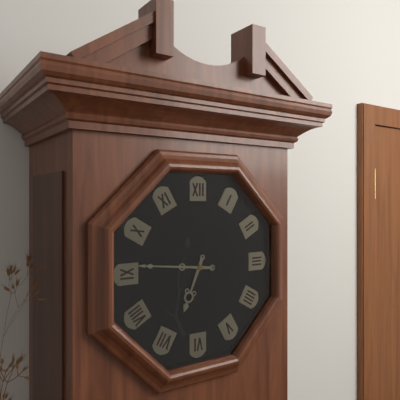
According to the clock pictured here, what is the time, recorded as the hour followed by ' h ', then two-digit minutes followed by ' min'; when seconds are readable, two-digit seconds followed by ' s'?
6 h 46 min
